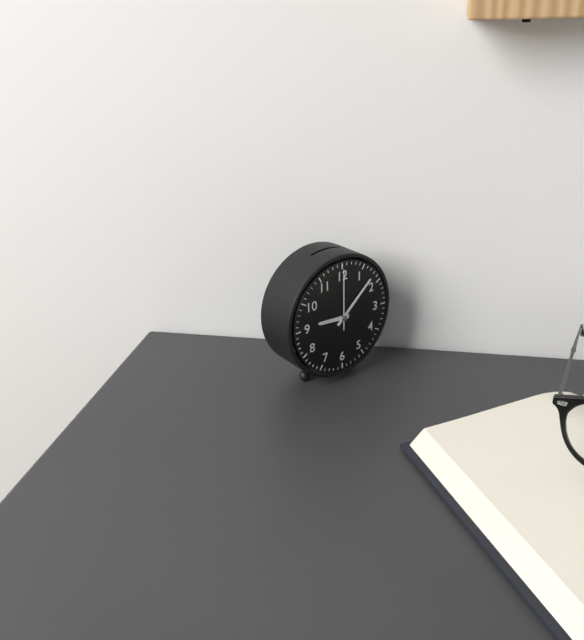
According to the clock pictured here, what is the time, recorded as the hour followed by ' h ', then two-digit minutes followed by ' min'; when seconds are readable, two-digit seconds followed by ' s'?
9 h 08 min 00 s
